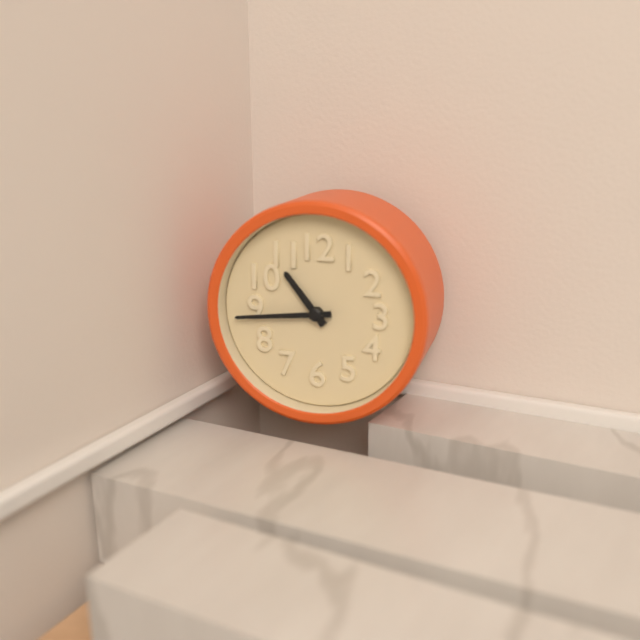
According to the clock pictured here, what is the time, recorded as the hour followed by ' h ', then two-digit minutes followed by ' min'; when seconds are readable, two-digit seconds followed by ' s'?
10 h 44 min
